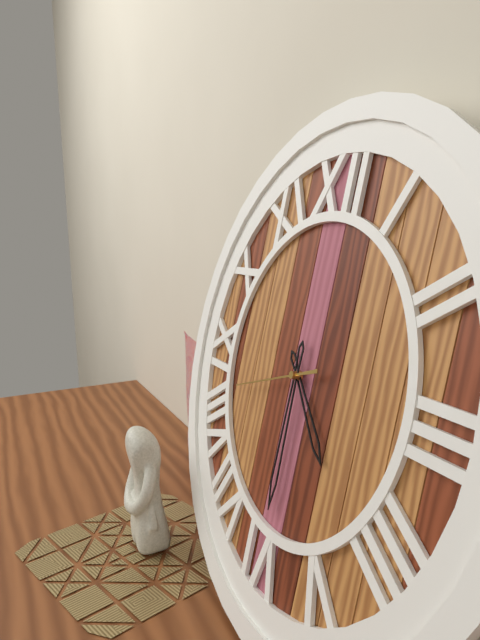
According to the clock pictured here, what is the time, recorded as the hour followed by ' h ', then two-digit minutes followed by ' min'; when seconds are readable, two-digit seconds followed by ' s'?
4 h 30 min 42 s
